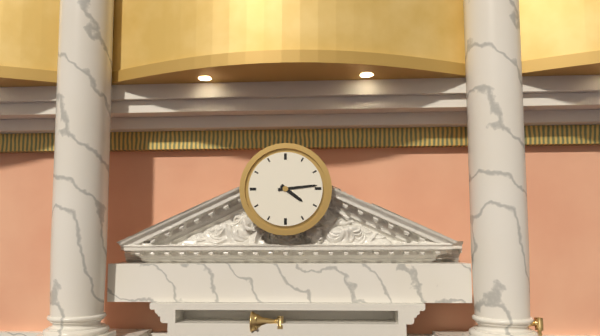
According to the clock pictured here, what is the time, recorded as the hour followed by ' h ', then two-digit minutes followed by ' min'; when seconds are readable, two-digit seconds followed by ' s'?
4 h 14 min
